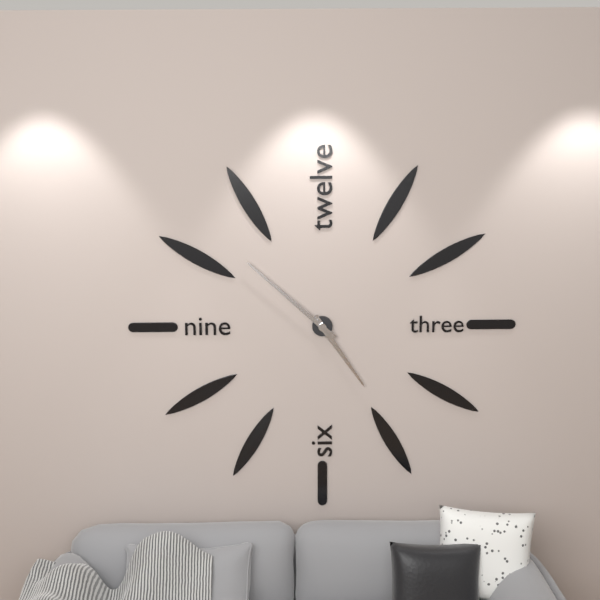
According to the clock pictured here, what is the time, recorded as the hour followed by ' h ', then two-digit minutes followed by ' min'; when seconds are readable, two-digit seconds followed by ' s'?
4 h 52 min
